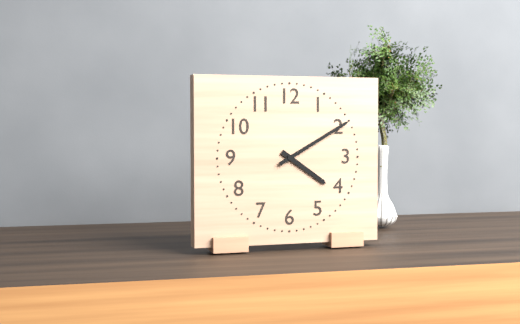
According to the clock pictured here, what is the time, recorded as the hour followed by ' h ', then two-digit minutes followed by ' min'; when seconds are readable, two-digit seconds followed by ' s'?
4 h 10 min
